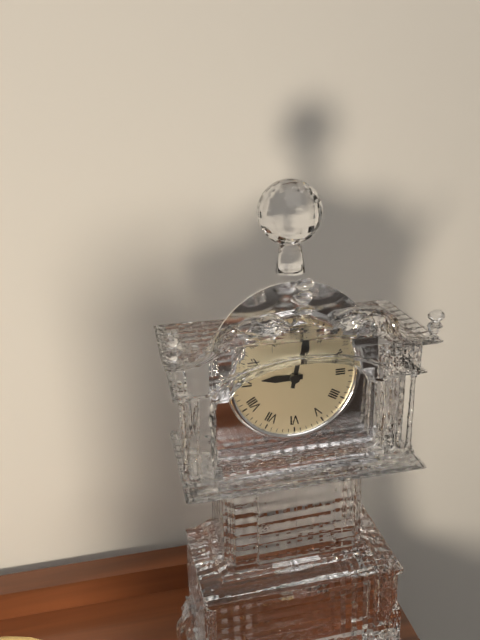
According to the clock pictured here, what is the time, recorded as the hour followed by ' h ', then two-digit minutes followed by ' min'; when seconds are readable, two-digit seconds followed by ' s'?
9 h 02 min
